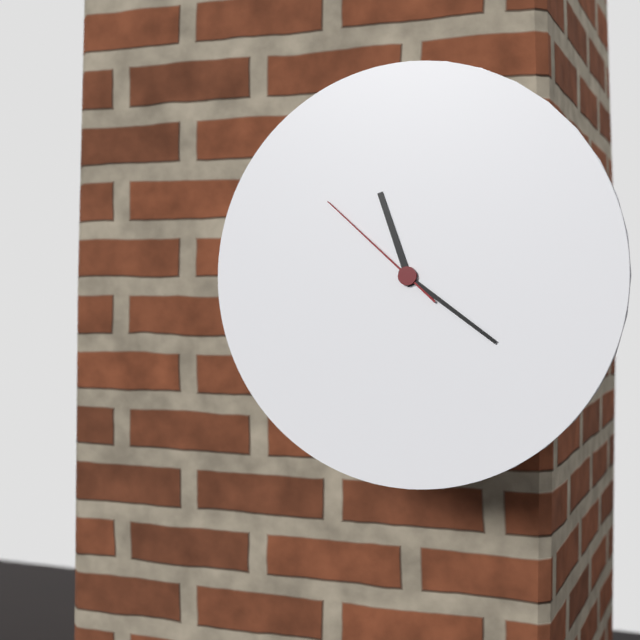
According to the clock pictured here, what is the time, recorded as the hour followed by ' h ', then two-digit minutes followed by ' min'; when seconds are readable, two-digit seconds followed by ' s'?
11 h 21 min 52 s
